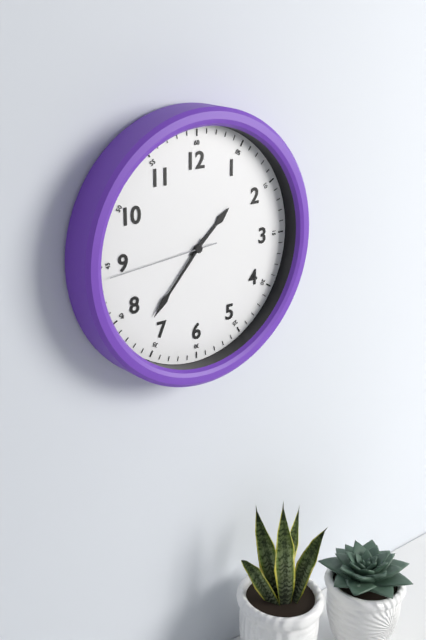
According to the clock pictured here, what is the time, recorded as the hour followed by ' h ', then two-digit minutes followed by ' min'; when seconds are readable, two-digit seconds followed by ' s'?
1 h 37 min 44 s
